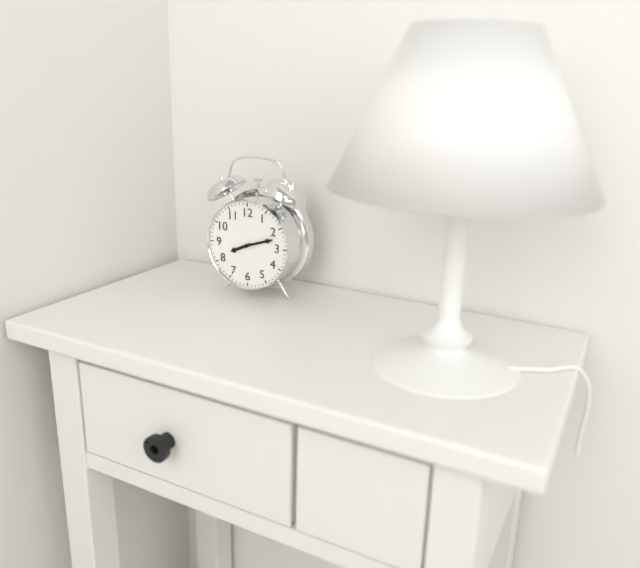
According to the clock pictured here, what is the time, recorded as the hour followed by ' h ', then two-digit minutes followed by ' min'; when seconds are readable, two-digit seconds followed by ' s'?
8 h 12 min
